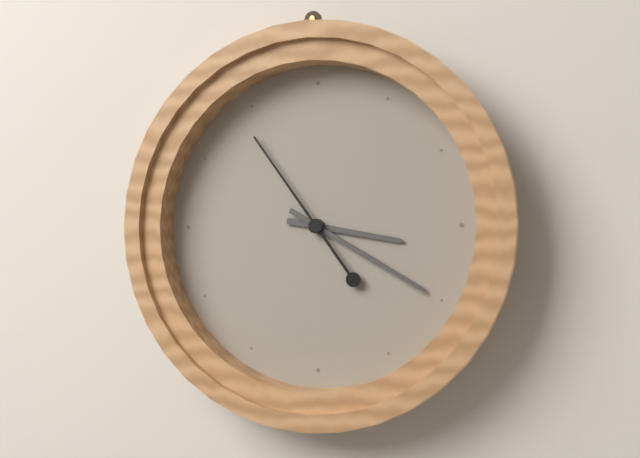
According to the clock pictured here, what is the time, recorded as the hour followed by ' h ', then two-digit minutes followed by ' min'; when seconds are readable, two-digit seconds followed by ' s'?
3 h 20 min 54 s
